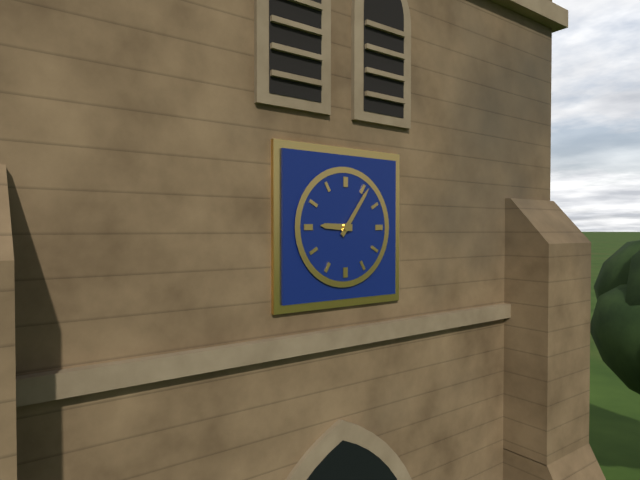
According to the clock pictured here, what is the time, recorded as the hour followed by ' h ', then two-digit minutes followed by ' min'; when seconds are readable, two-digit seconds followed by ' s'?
9 h 06 min
